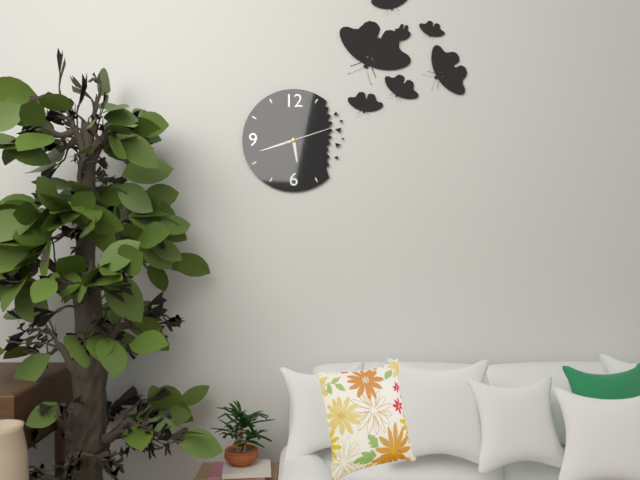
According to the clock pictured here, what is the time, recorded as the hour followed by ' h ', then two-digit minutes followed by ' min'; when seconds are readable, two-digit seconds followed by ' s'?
5 h 42 min 12 s
